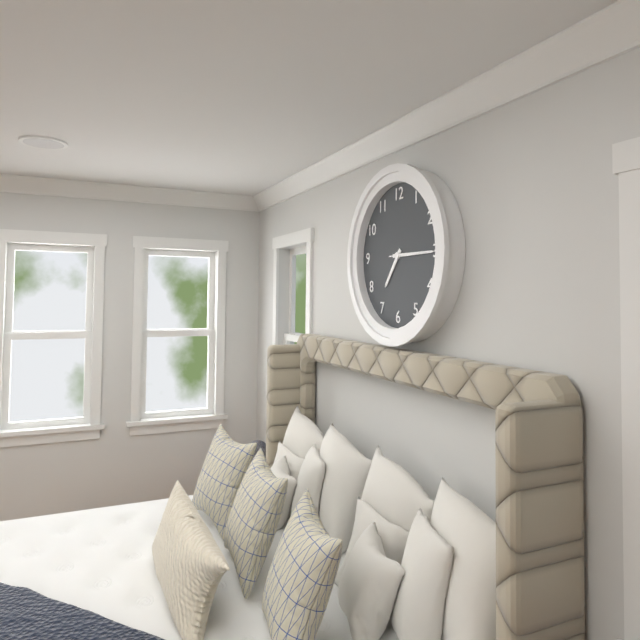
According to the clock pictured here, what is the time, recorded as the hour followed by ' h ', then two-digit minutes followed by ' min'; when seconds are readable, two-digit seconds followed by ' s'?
7 h 15 min 15 s
